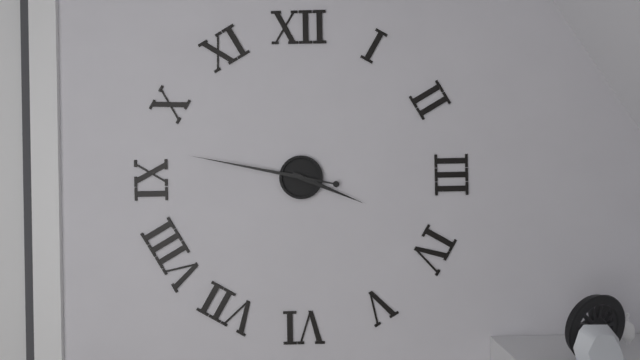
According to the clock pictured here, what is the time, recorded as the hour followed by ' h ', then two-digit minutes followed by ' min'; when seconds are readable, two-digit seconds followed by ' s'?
3 h 47 min
